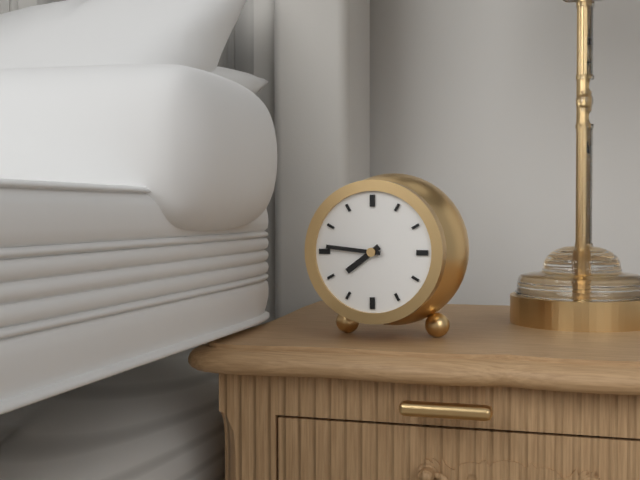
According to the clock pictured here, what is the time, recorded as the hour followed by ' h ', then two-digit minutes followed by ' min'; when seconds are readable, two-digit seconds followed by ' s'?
7 h 46 min
